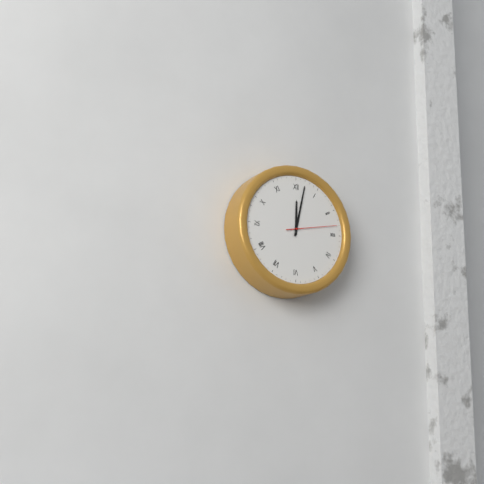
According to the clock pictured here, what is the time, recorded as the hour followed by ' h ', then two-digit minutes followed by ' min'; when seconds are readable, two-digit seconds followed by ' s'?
12 h 02 min 13 s
